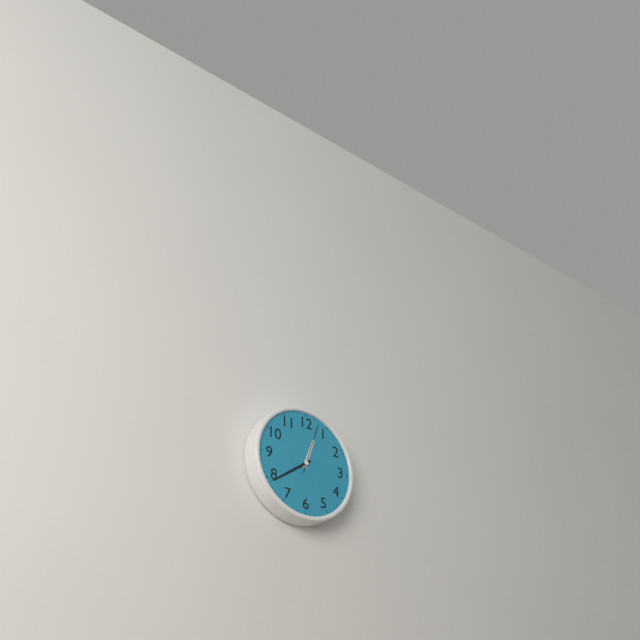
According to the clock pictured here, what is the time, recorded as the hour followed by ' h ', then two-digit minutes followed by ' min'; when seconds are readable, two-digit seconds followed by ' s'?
12 h 39 min 03 s
